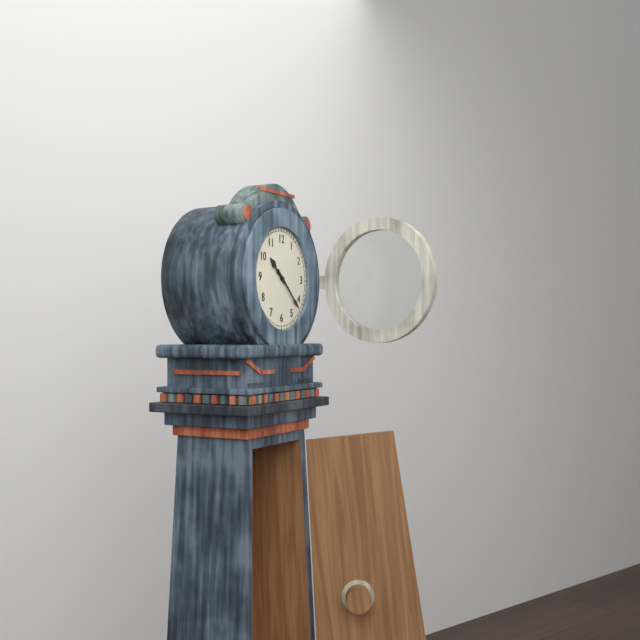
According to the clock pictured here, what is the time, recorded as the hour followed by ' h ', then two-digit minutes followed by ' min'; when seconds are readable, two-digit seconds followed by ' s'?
10 h 22 min
